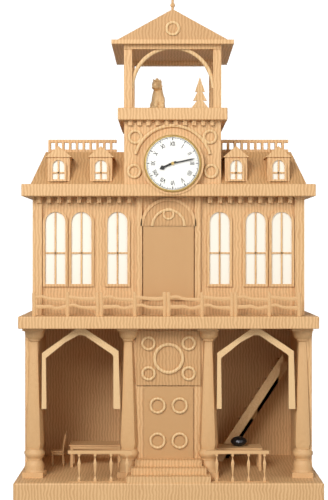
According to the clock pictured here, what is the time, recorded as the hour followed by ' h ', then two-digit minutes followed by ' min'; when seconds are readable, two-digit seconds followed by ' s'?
8 h 13 min
